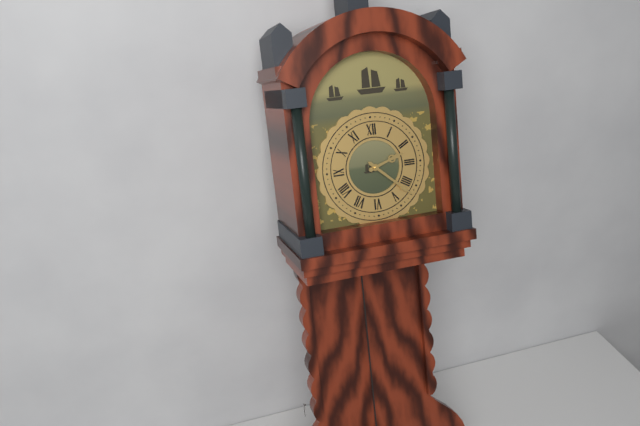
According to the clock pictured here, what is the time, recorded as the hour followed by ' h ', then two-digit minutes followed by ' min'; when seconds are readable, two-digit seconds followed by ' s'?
2 h 22 min
